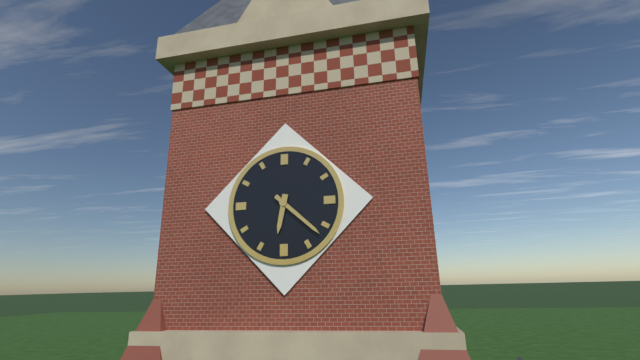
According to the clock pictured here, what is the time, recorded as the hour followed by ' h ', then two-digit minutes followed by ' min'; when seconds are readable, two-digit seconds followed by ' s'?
6 h 22 min
